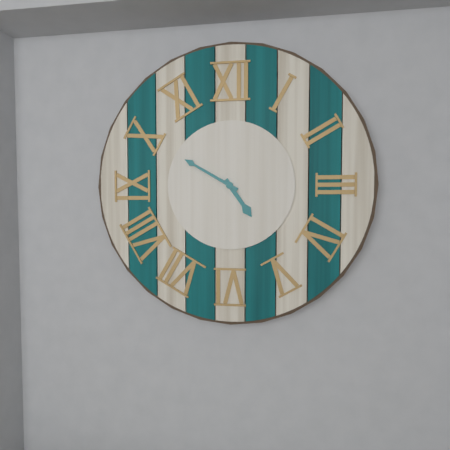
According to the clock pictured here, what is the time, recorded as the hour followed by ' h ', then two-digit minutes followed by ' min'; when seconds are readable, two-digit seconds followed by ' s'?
4 h 50 min
